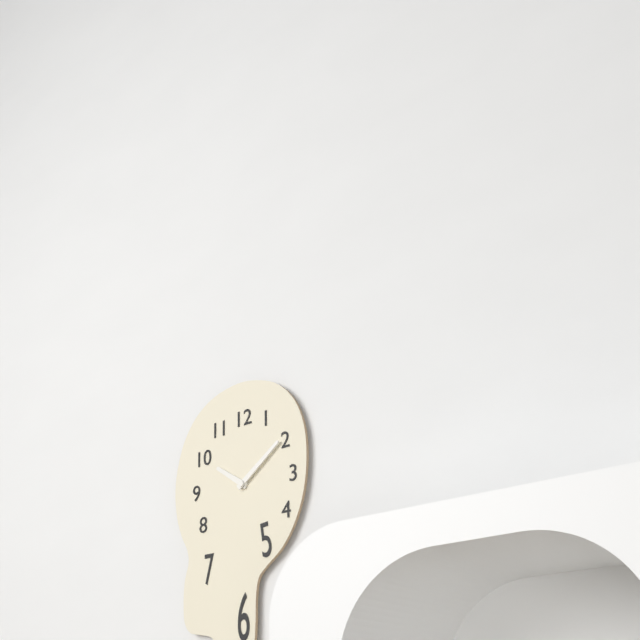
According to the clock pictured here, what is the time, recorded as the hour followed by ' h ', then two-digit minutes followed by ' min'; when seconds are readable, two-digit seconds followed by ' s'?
10 h 09 min
